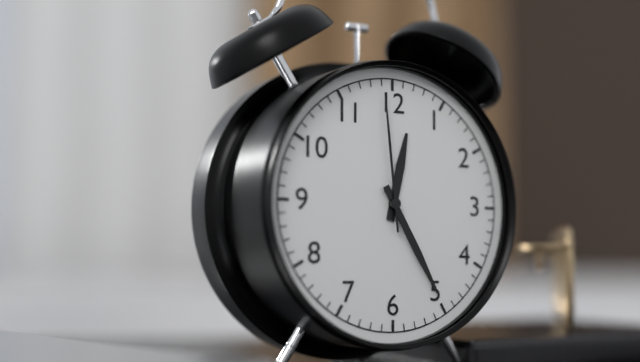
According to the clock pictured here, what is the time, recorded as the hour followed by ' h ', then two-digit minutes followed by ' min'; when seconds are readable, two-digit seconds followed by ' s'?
12 h 25 min 59 s
